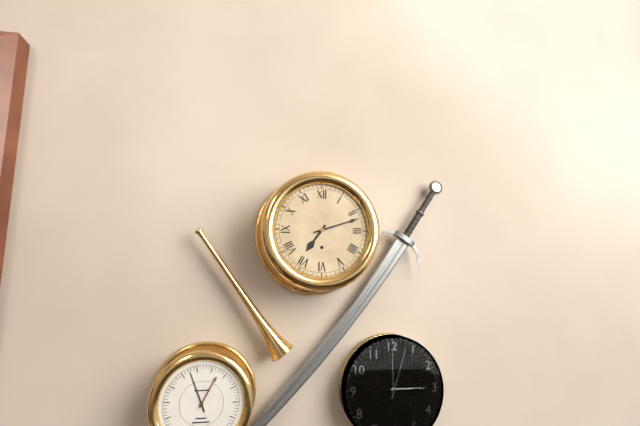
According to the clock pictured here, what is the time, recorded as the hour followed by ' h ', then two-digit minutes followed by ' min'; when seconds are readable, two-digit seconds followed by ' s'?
7 h 12 min
